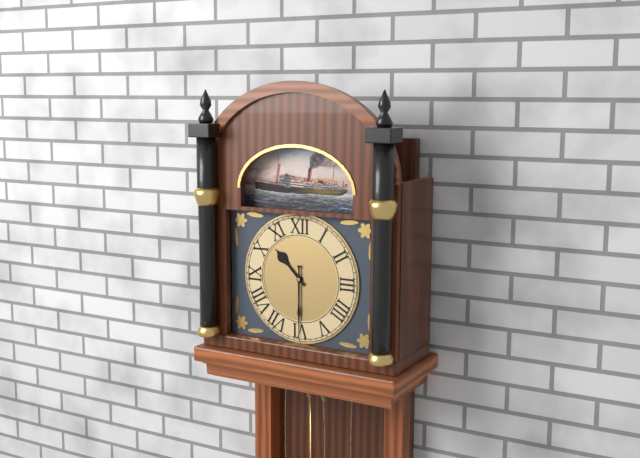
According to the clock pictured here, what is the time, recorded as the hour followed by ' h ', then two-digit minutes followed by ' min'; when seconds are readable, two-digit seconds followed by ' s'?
10 h 30 min
